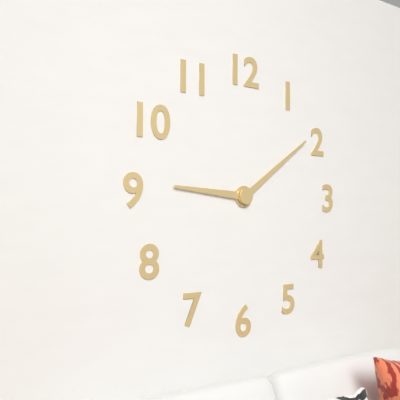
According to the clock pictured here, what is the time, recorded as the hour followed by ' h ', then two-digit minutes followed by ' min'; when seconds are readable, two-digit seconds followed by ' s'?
9 h 09 min
